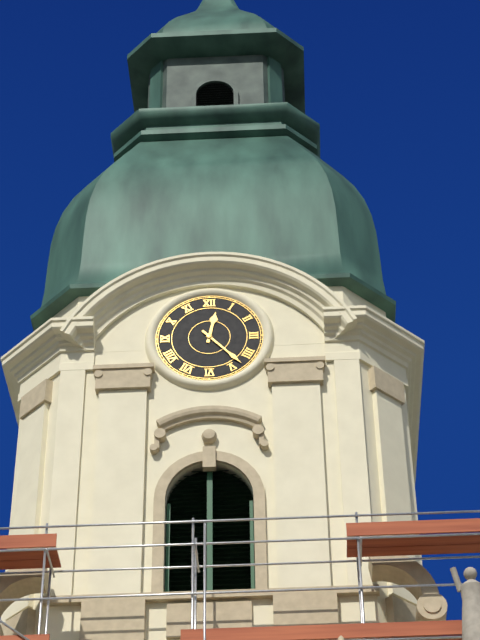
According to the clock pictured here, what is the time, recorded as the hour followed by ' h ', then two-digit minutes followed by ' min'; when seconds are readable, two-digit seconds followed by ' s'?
12 h 23 min
